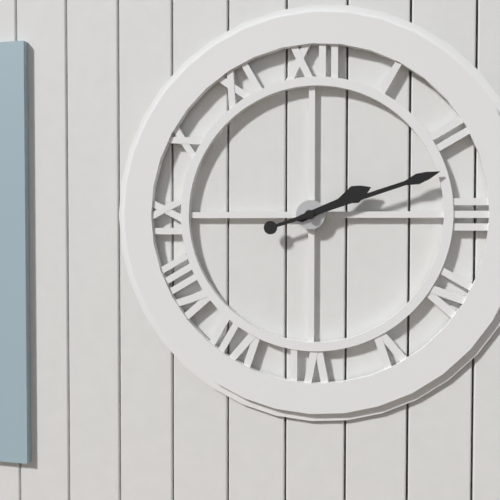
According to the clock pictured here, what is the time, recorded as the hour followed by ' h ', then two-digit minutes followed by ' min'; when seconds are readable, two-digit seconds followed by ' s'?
2 h 12 min
